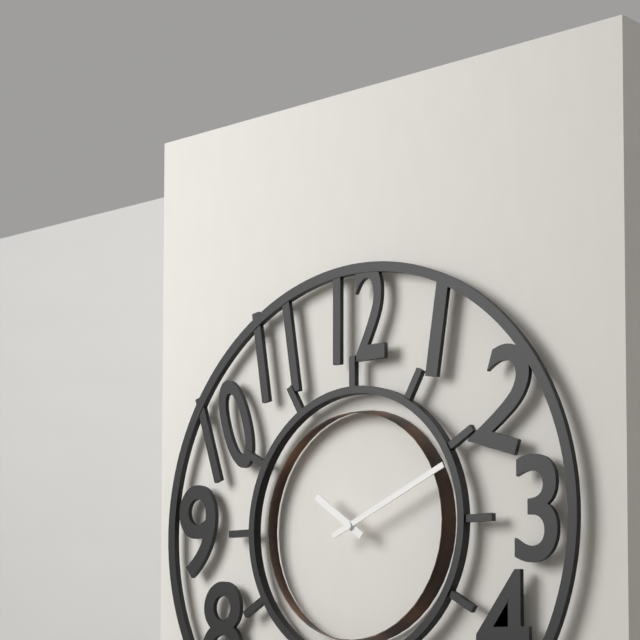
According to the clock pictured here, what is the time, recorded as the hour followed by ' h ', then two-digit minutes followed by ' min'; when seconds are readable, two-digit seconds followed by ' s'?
10 h 11 min
